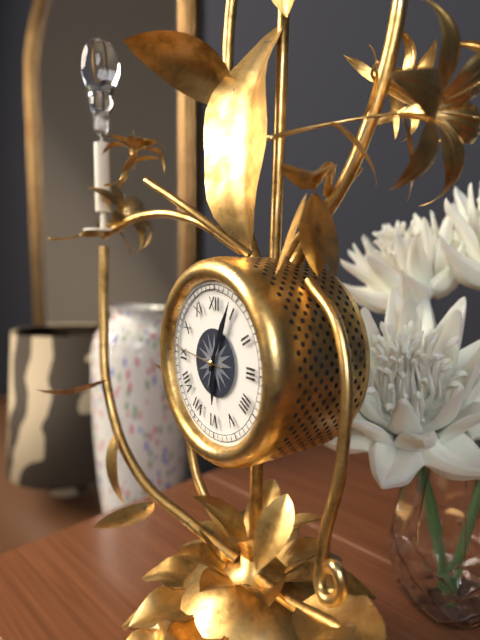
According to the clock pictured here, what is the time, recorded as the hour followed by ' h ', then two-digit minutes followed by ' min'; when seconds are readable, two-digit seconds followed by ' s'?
6 h 04 min 46 s
